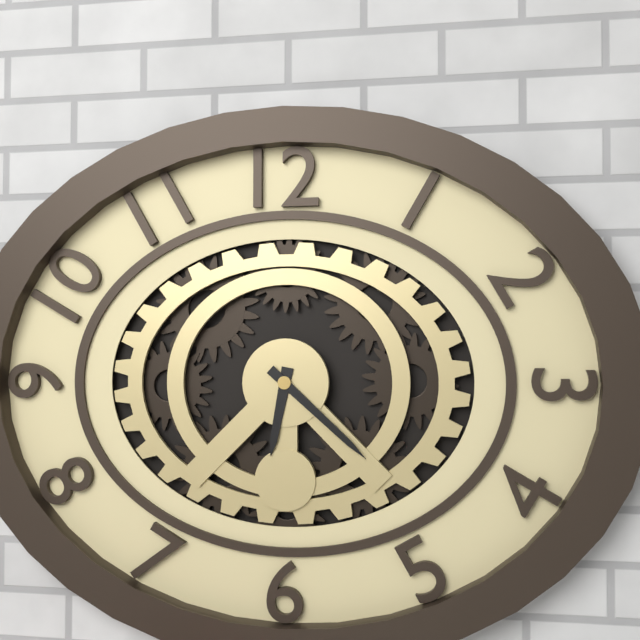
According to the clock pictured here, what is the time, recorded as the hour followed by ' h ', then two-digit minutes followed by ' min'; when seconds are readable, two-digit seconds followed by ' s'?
6 h 22 min
